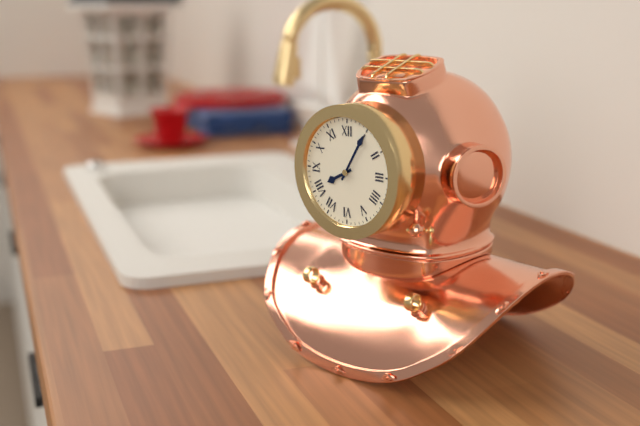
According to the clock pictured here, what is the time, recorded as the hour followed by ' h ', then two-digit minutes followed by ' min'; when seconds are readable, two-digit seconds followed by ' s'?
8 h 05 min
